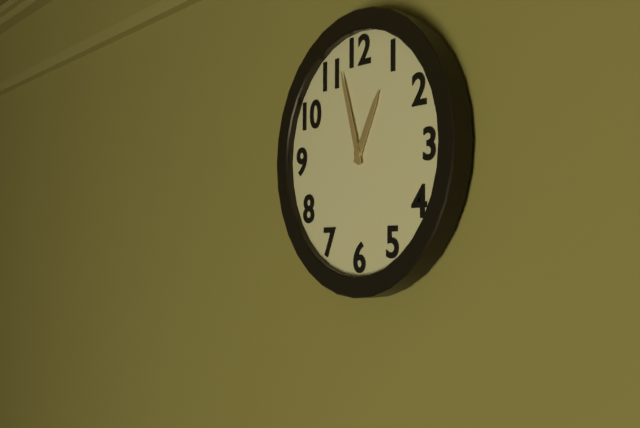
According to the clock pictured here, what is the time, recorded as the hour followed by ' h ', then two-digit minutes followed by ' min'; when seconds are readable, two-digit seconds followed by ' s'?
12 h 57 min
